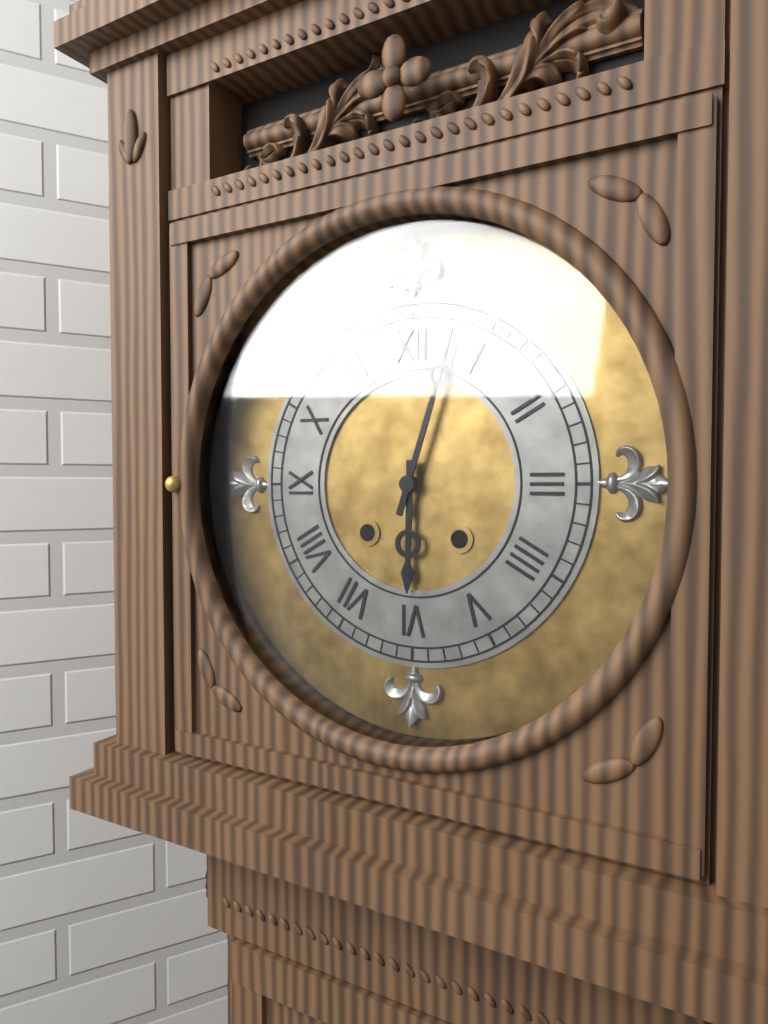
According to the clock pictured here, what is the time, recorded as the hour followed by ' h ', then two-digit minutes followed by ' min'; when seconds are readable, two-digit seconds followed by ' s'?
6 h 03 min
